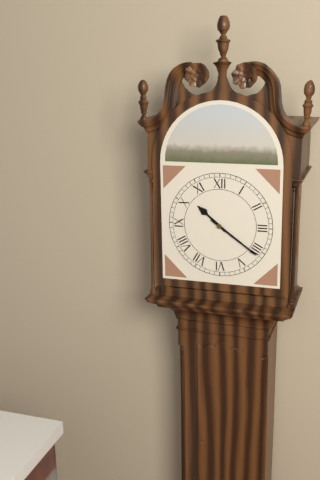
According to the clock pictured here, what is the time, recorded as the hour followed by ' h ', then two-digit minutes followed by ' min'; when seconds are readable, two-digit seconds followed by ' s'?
10 h 21 min
